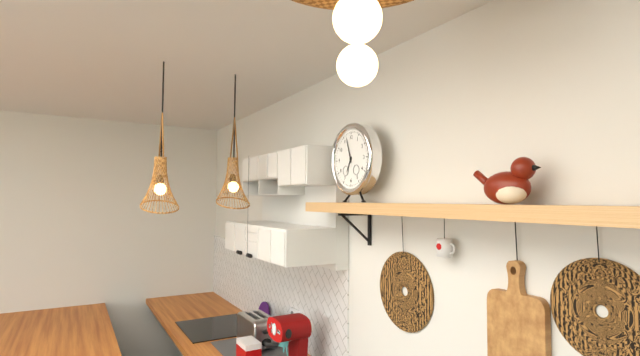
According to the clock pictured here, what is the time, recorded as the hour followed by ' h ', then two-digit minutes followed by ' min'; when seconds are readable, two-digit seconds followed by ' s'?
6 h 57 min
